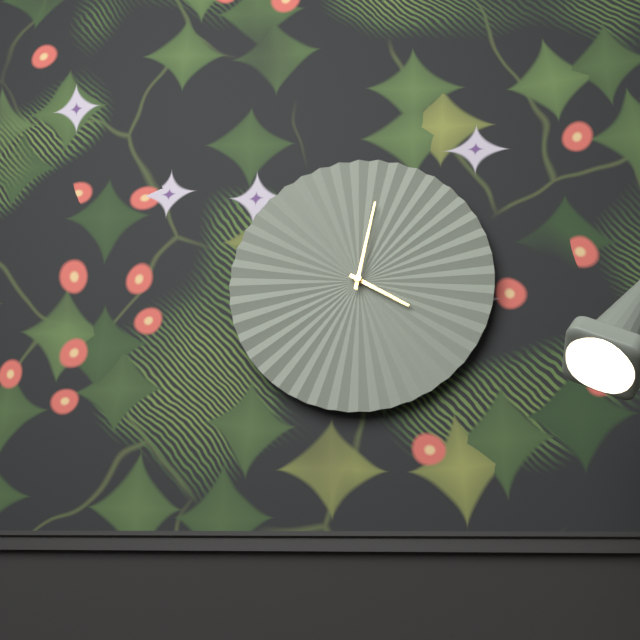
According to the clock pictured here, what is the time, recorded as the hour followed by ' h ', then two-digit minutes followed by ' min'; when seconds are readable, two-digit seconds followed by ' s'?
4 h 02 min
